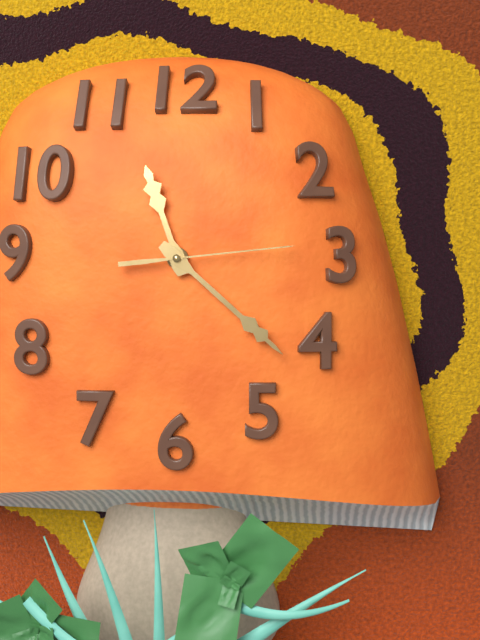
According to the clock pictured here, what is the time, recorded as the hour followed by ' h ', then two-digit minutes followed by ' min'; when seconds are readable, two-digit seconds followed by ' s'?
11 h 22 min 14 s
